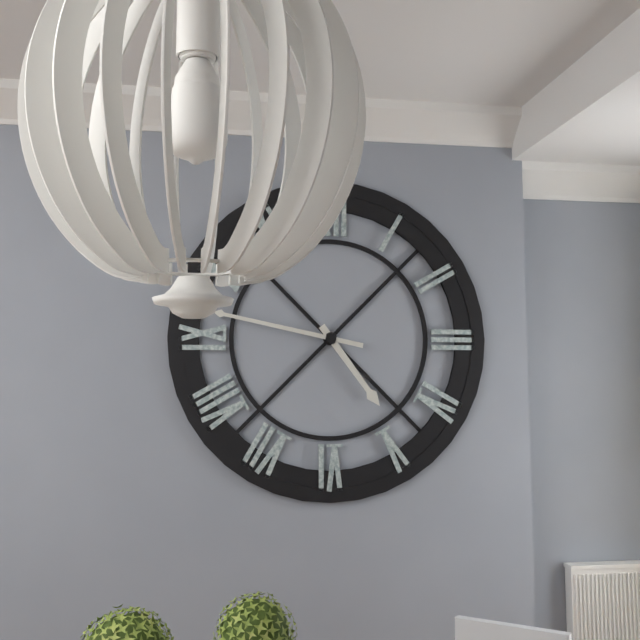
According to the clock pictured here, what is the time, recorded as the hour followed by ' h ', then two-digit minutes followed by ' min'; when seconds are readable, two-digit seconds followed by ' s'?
4 h 47 min
